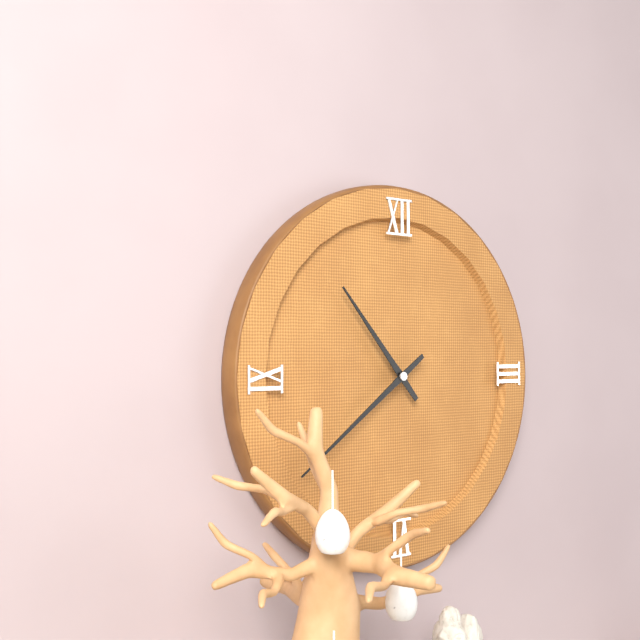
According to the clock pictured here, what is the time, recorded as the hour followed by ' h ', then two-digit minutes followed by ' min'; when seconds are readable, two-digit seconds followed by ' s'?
10 h 39 min
